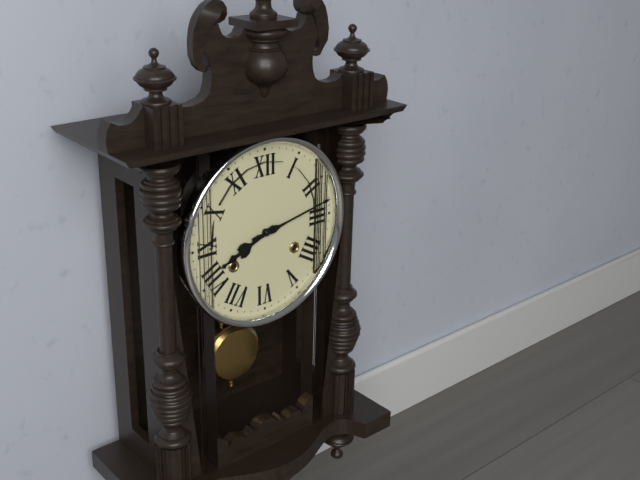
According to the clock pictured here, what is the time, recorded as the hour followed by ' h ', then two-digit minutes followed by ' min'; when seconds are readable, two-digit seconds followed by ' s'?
8 h 13 min
